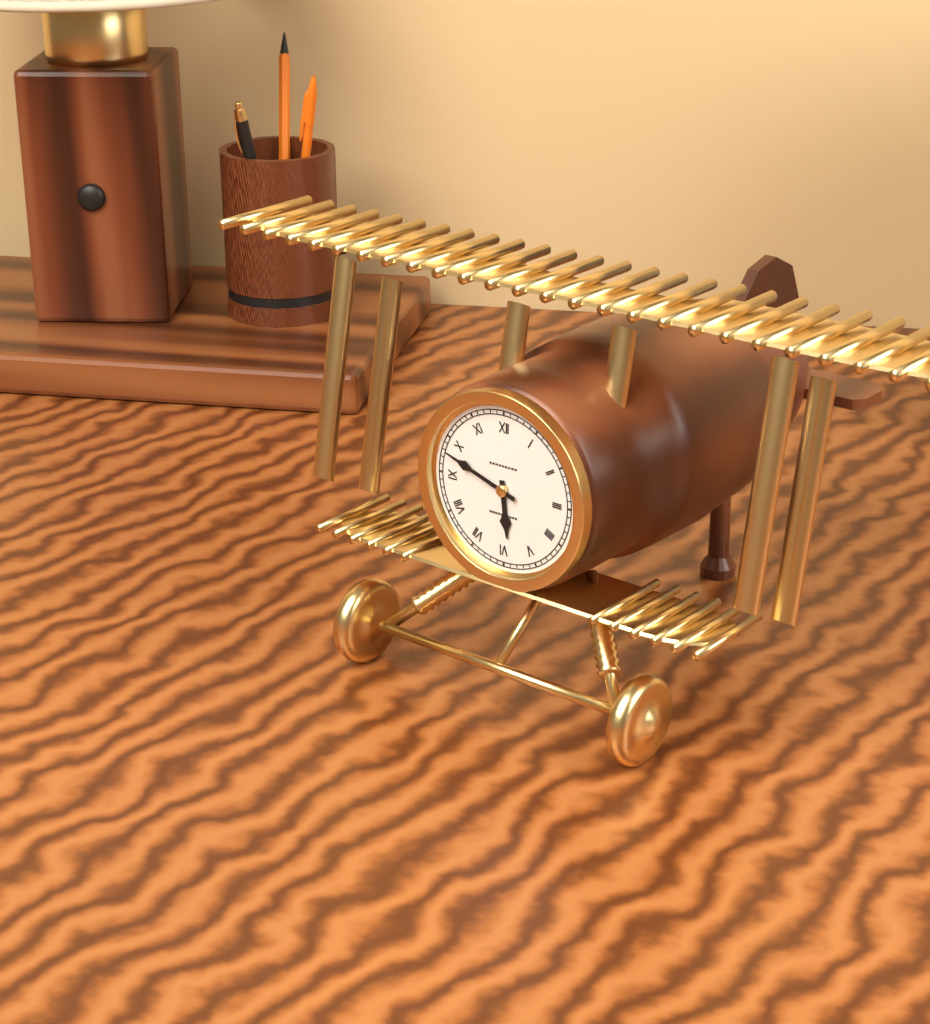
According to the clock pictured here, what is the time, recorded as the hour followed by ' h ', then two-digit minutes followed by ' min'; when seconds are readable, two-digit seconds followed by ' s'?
5 h 48 min
